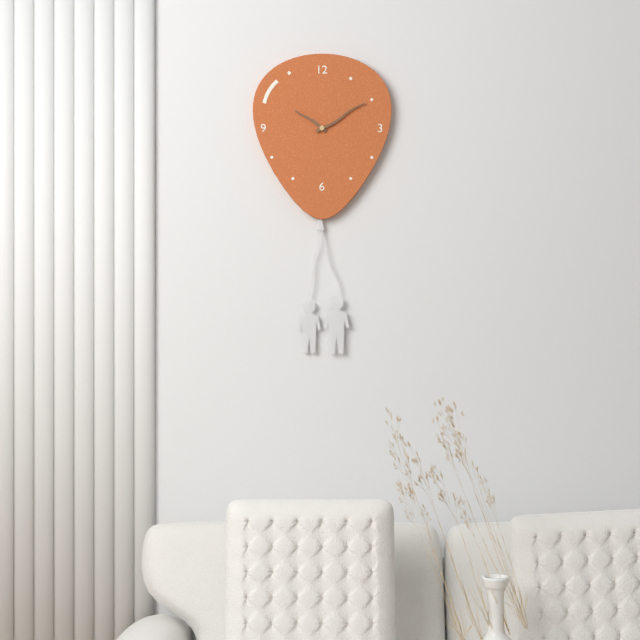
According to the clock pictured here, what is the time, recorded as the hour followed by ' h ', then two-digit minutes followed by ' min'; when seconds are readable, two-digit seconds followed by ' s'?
10 h 10 min
